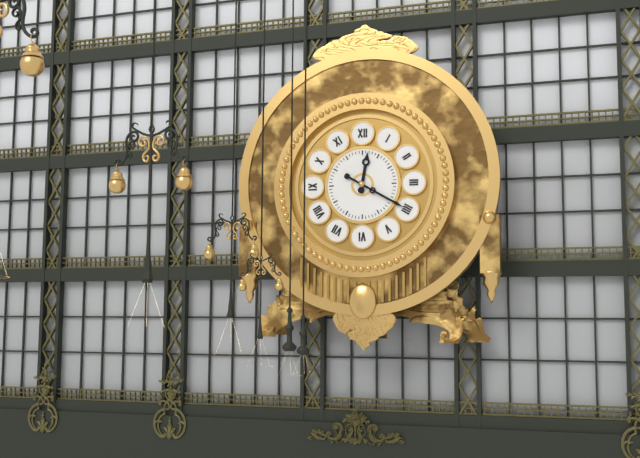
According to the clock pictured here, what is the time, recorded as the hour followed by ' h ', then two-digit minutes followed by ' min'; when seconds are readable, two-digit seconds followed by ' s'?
12 h 20 min
